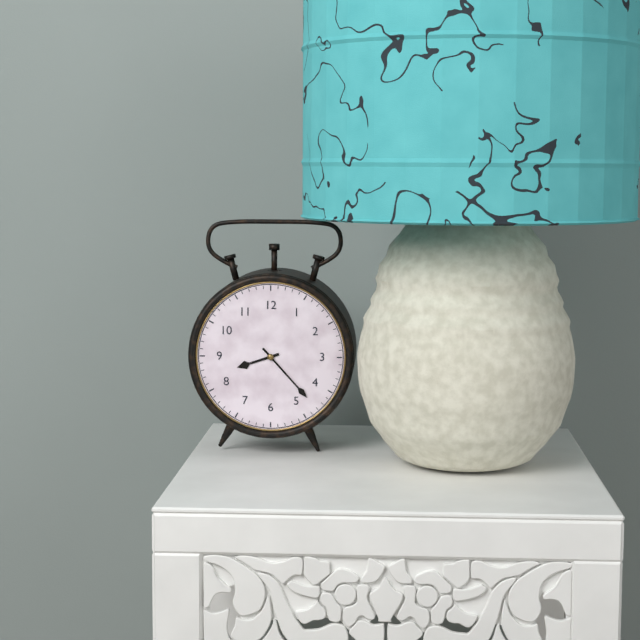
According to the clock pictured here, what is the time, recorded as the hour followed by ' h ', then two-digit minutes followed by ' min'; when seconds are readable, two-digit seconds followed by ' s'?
8 h 23 min
